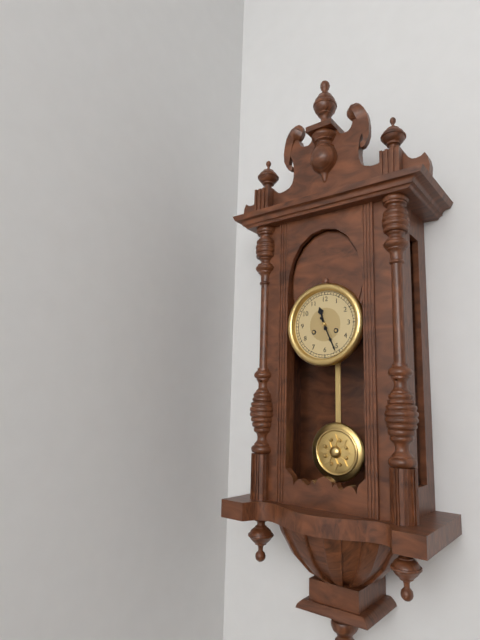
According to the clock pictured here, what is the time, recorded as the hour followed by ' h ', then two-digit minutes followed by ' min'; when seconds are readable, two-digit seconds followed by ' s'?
11 h 26 min
